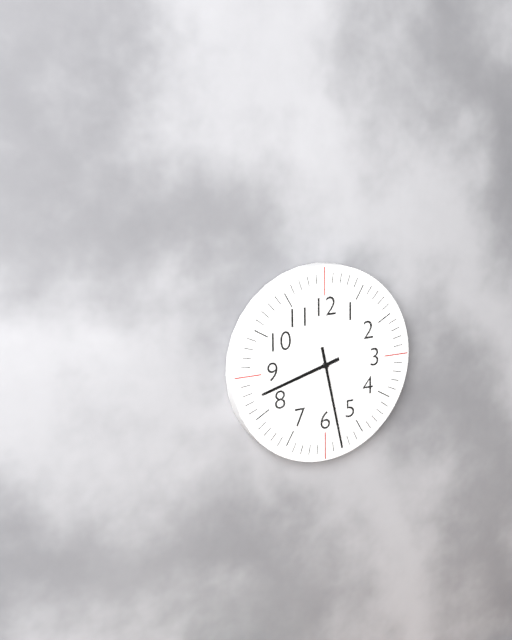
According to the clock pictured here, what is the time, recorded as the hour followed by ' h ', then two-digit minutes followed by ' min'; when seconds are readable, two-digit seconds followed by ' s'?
8 h 28 min
